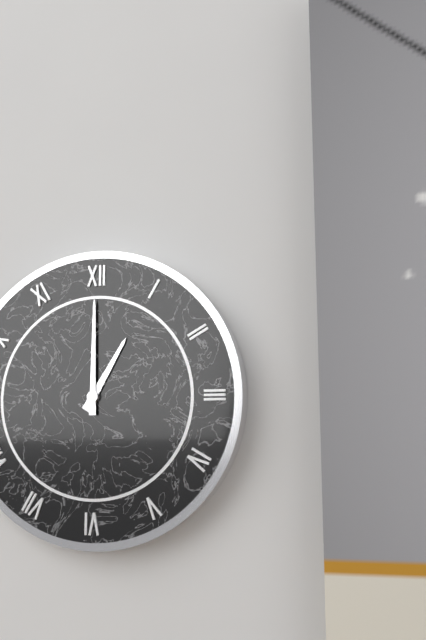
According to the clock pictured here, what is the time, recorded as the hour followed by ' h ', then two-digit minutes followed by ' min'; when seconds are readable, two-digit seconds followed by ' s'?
1 h 00 min
